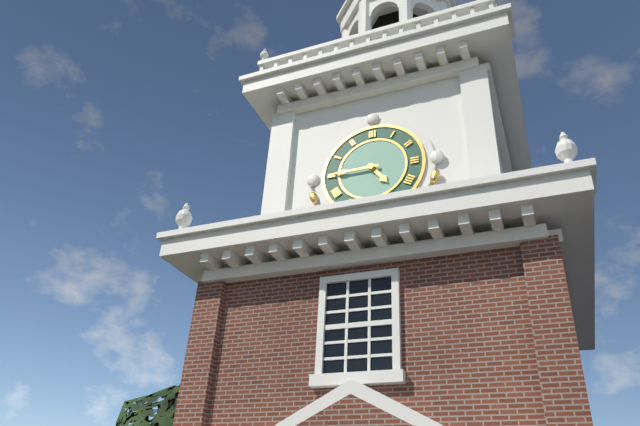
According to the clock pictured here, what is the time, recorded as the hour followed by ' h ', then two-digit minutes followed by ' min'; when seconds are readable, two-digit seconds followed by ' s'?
4 h 45 min
